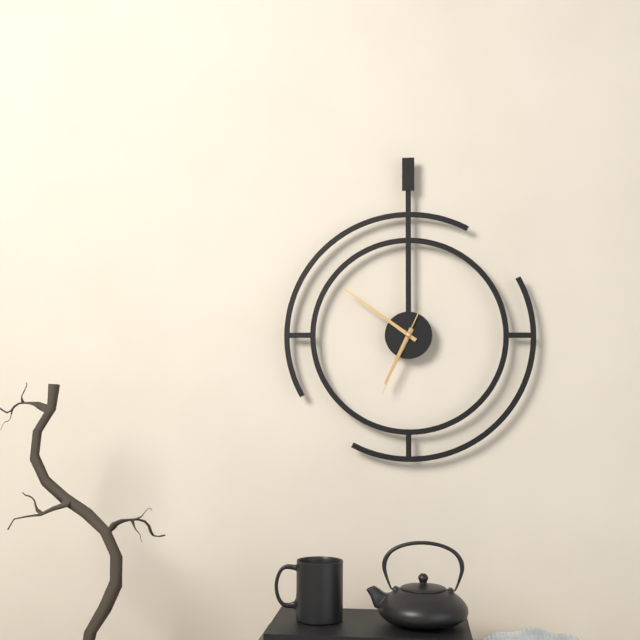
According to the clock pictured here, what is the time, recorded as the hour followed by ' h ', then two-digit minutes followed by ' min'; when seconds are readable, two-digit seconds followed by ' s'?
6 h 51 min 34 s
